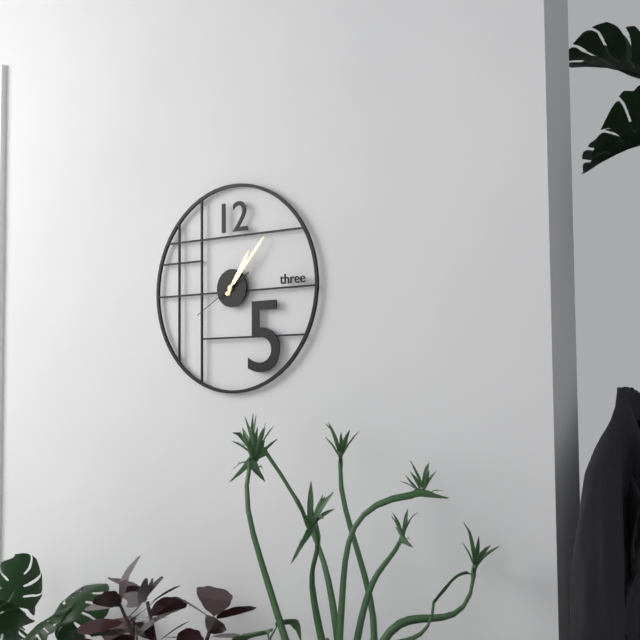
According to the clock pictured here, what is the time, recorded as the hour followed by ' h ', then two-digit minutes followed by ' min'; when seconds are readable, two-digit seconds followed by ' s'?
1 h 07 min 40 s
